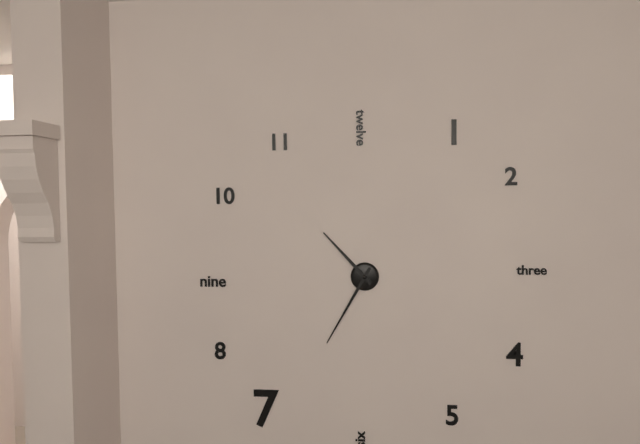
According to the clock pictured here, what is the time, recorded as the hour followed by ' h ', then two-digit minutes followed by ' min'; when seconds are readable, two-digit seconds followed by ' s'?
10 h 35 min
